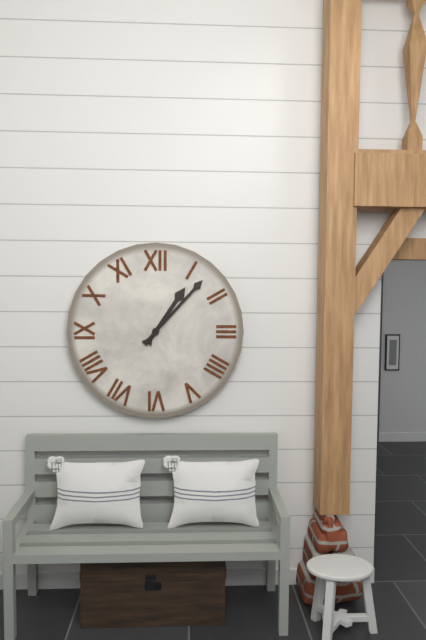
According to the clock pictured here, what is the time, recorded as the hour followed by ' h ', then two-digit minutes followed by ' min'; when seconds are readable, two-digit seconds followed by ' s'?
1 h 07 min
